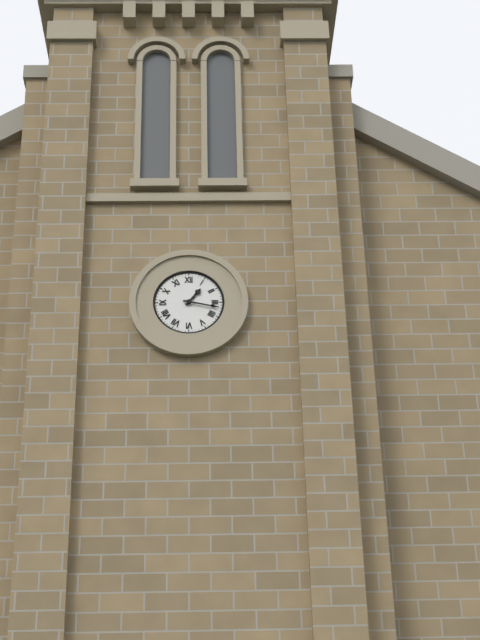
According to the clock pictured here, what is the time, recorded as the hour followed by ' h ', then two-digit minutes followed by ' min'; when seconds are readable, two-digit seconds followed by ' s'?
1 h 17 min
